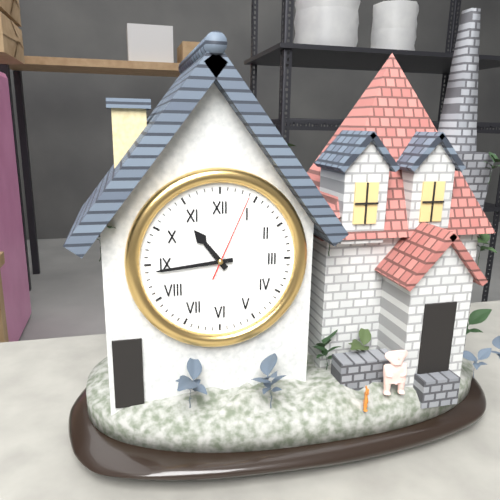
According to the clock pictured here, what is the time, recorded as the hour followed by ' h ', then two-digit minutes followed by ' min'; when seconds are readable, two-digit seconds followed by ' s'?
10 h 44 min 04 s
